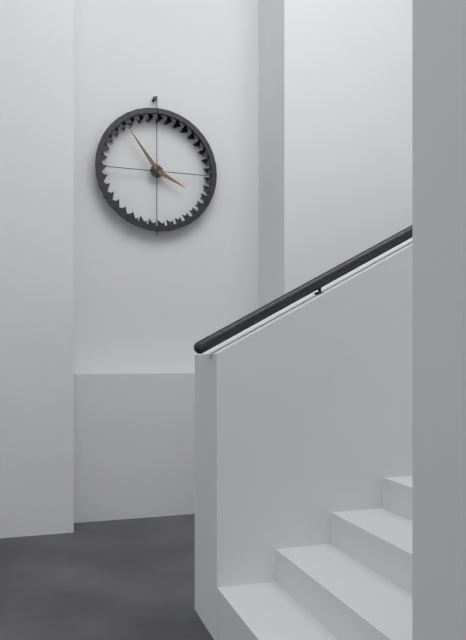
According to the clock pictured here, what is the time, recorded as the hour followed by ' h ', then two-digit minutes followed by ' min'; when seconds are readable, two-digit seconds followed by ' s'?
3 h 54 min
